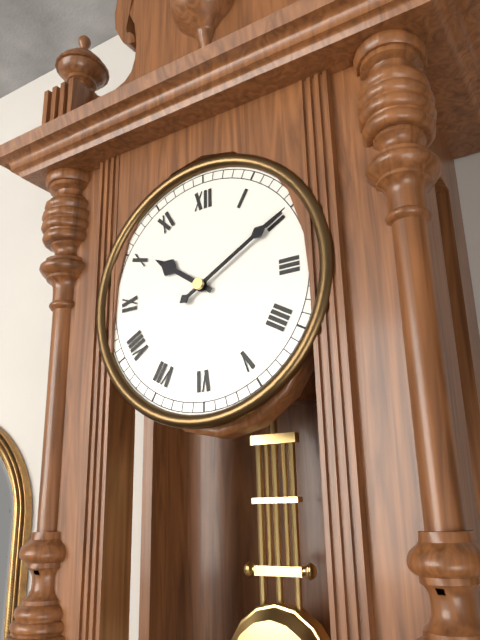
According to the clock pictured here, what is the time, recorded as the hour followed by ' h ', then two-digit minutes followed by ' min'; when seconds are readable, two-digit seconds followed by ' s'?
10 h 10 min
